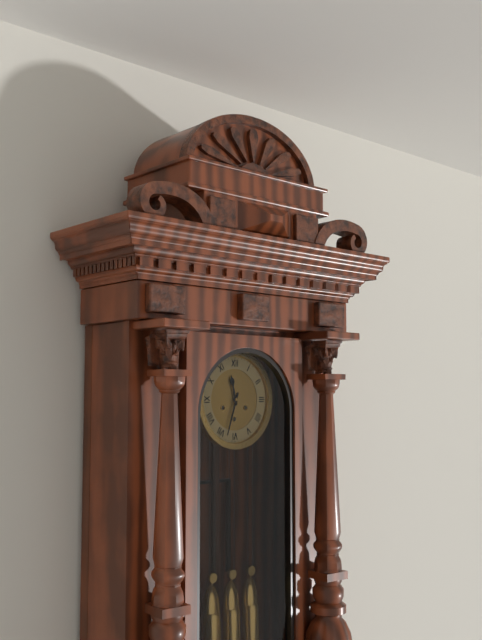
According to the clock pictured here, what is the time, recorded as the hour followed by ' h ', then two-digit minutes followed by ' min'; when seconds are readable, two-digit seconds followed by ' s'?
11 h 33 min
